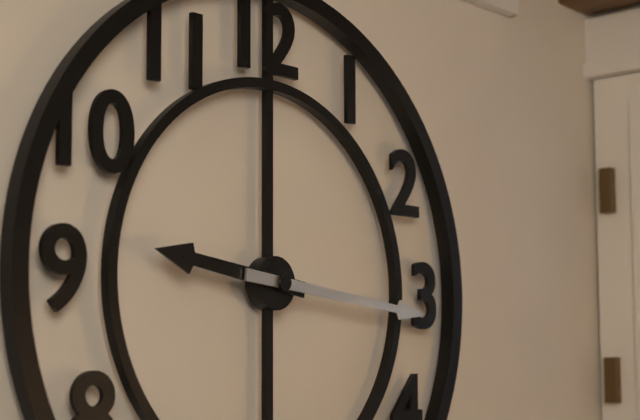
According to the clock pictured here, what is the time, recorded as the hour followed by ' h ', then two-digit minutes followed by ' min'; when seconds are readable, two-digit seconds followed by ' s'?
9 h 16 min
